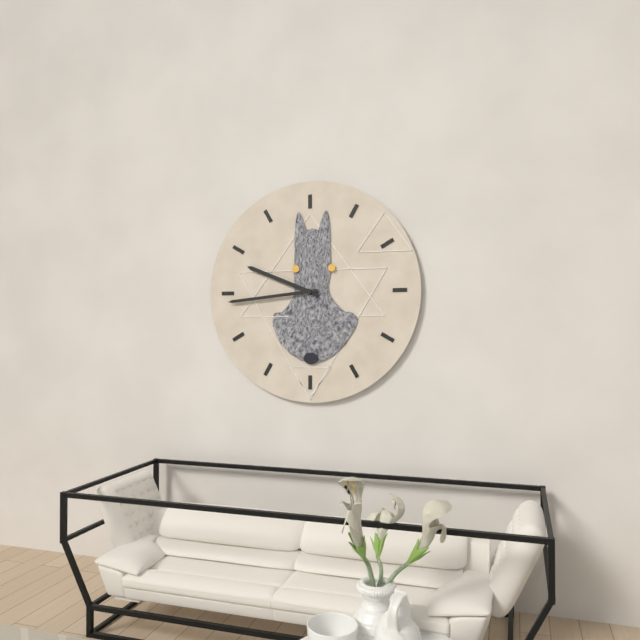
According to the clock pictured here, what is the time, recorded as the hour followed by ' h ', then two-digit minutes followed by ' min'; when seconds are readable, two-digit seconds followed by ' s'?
9 h 44 min
